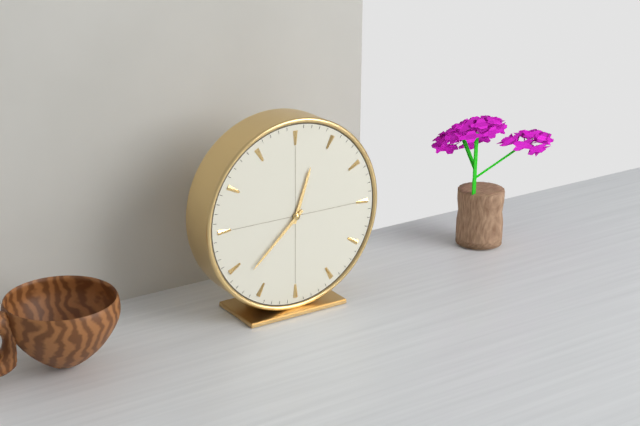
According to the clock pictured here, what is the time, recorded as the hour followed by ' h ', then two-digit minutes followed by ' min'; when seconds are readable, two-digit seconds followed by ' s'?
12 h 38 min
